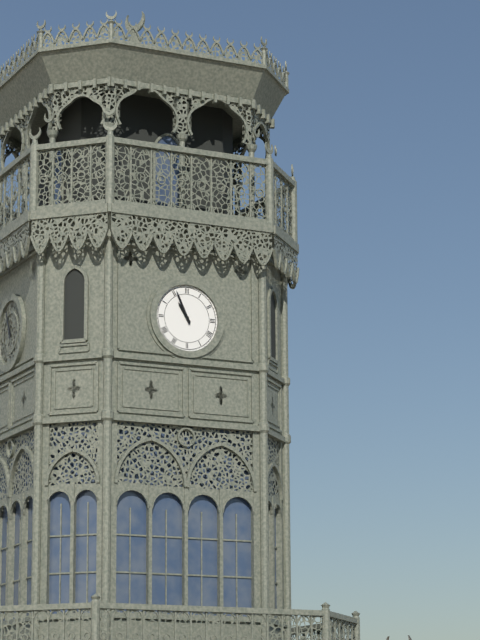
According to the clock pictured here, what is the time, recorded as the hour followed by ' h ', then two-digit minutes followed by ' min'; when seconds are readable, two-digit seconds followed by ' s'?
10 h 56 min
